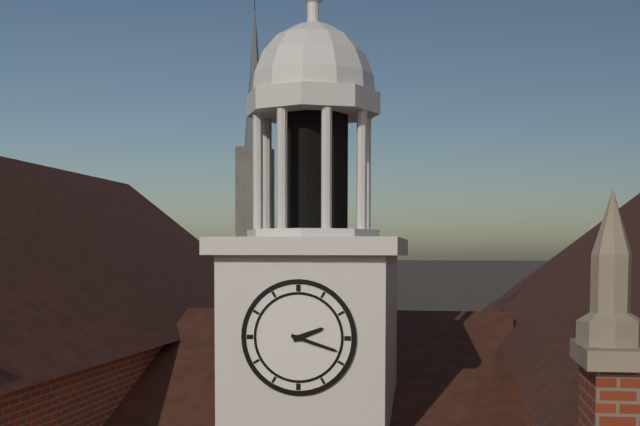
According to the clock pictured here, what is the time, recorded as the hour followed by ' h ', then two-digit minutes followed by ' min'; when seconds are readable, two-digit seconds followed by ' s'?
2 h 18 min
